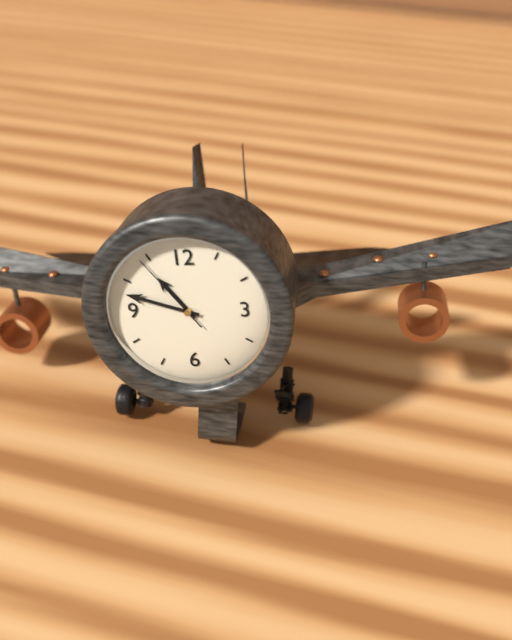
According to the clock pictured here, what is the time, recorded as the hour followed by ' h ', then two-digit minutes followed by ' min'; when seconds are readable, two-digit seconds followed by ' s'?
10 h 48 min 54 s
